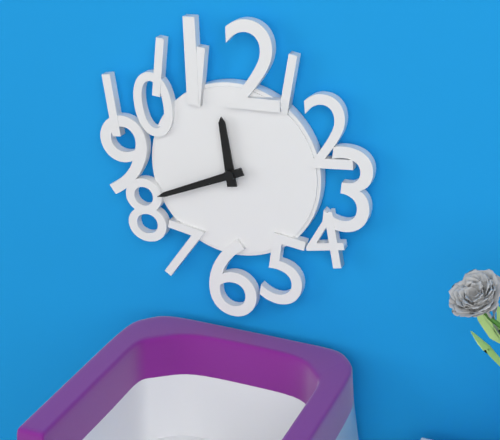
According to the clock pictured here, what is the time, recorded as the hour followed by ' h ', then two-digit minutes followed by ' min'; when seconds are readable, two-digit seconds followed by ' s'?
11 h 41 min
